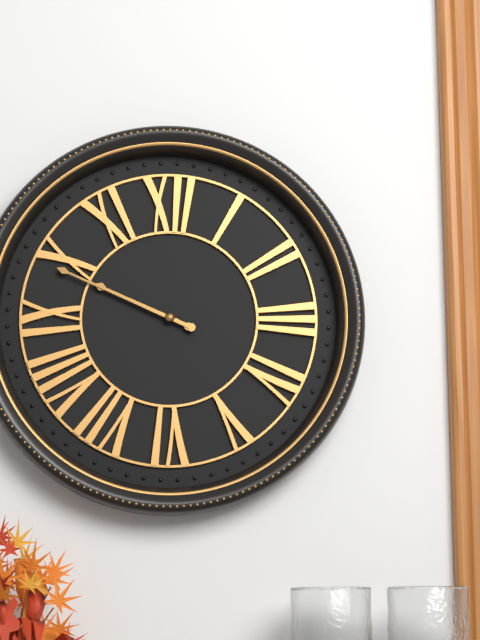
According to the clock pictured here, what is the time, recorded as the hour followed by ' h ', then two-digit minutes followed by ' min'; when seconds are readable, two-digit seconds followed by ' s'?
9 h 49 min
